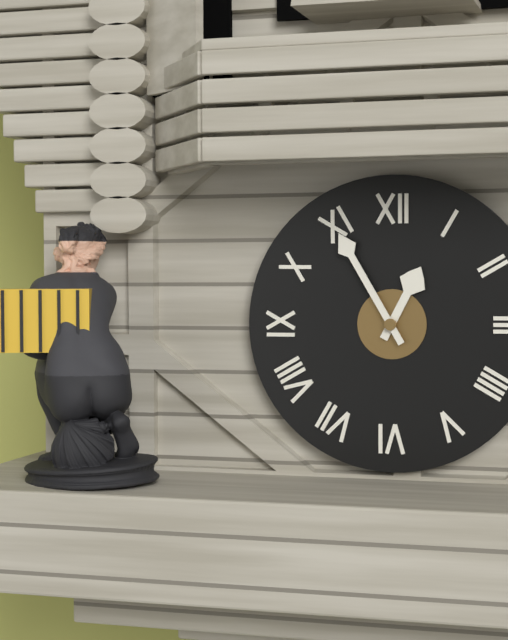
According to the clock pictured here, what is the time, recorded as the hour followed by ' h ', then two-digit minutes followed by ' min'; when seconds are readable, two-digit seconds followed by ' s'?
12 h 55 min
